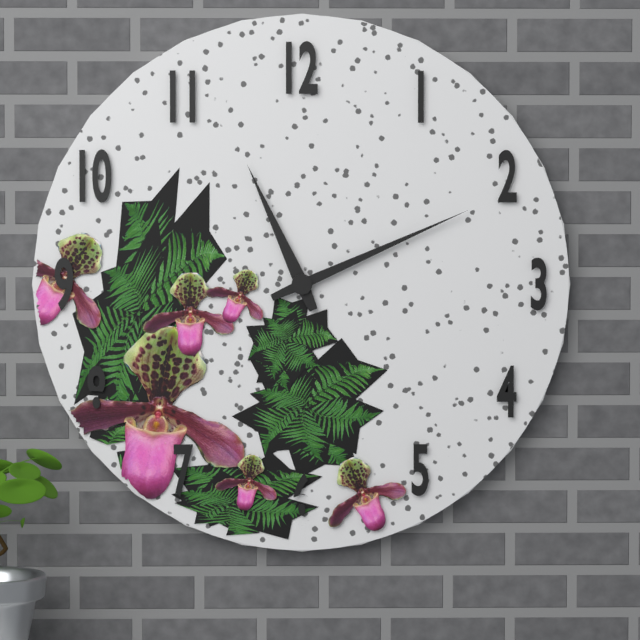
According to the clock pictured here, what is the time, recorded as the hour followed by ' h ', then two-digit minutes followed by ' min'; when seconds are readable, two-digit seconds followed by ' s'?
11 h 11 min
